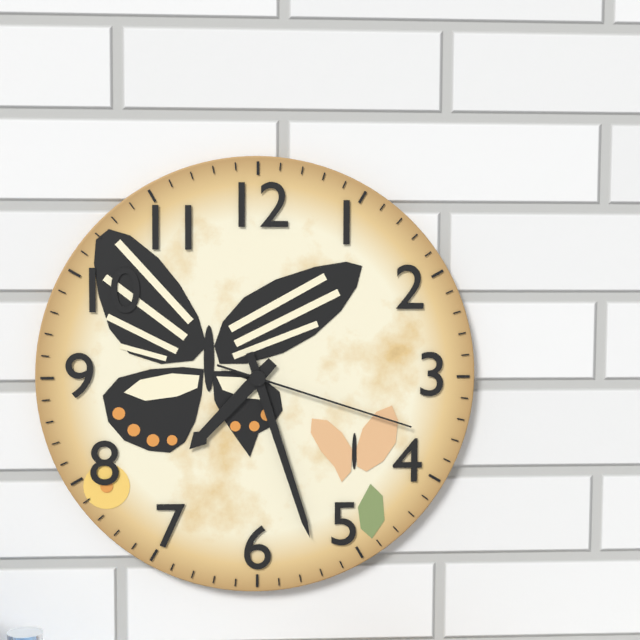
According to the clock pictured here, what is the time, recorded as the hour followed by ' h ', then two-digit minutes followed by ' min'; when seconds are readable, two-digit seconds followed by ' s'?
7 h 27 min 18 s
